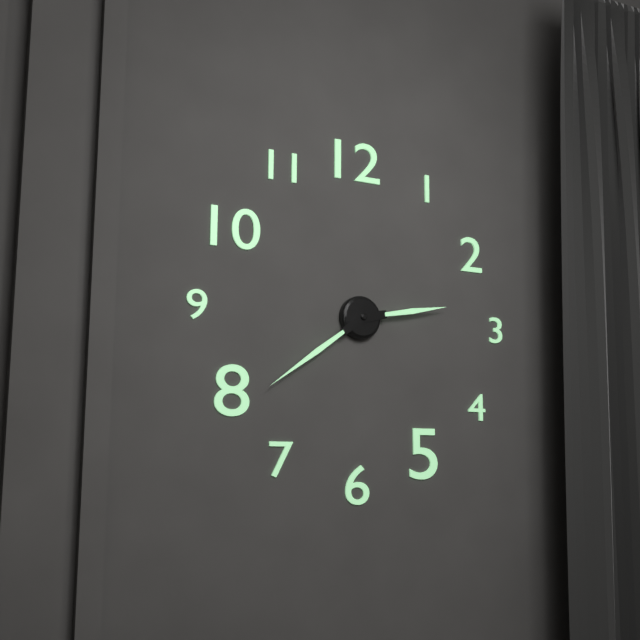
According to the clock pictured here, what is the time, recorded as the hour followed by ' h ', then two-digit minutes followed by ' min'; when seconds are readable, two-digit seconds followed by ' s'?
2 h 39 min
